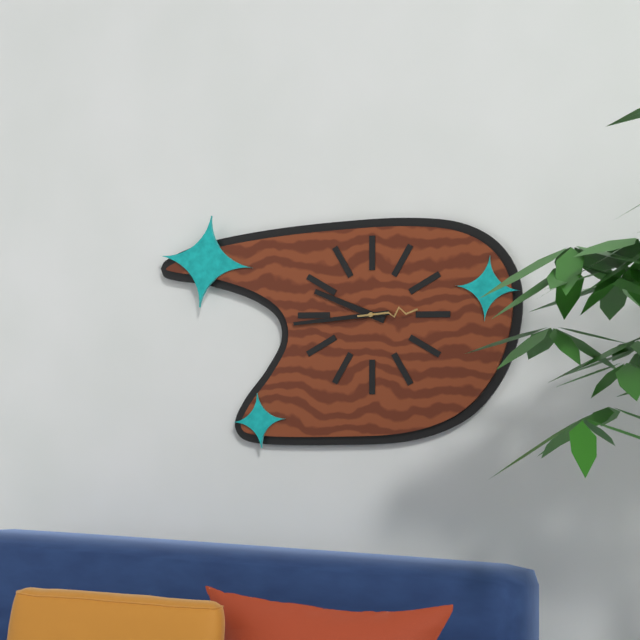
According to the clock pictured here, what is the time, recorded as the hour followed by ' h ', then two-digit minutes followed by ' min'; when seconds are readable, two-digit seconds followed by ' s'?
9 h 44 min 14 s
